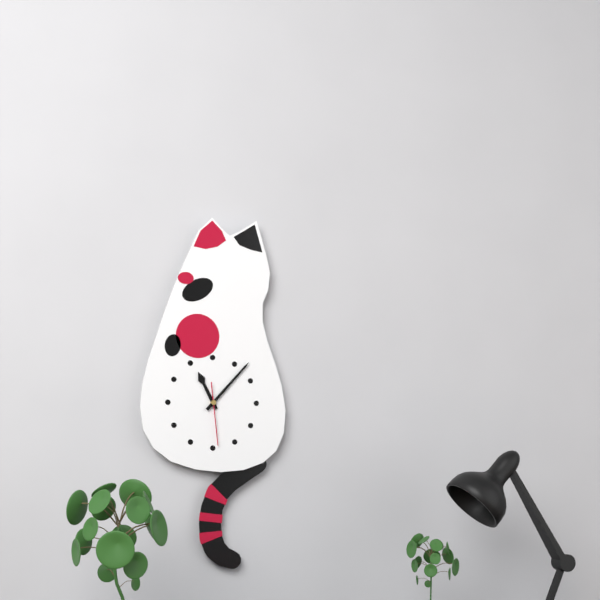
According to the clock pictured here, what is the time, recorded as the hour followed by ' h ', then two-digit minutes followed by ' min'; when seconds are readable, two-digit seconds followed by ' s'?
11 h 07 min 29 s
